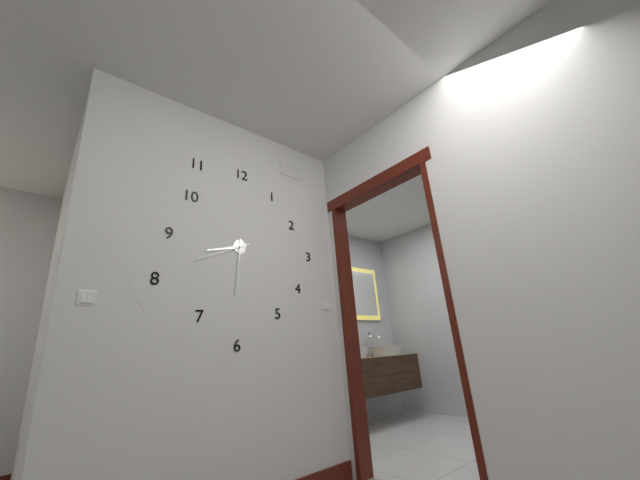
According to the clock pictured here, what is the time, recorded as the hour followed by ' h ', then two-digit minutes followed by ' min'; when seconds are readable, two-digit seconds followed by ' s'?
8 h 31 min 41 s
